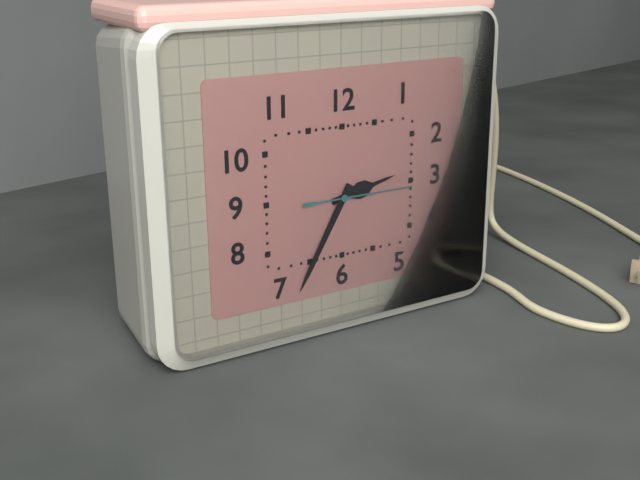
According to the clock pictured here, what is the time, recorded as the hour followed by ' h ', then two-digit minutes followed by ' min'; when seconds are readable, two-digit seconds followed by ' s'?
2 h 35 min 15 s
